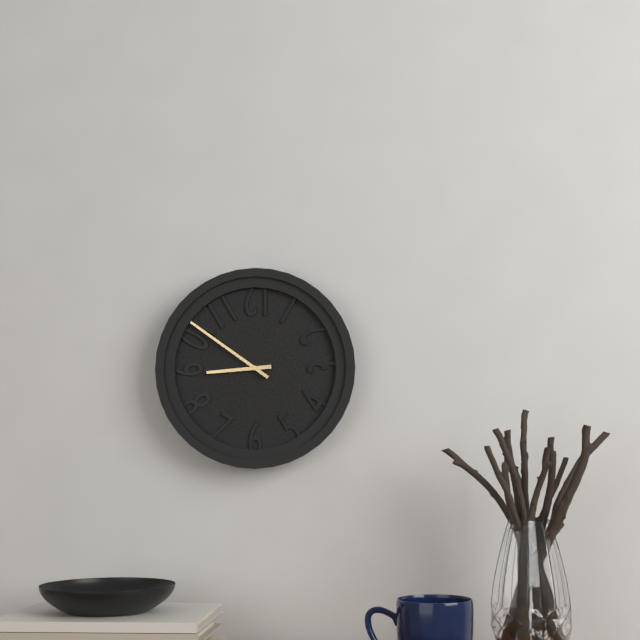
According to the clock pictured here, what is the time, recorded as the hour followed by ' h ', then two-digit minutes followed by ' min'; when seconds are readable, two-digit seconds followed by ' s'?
8 h 51 min
